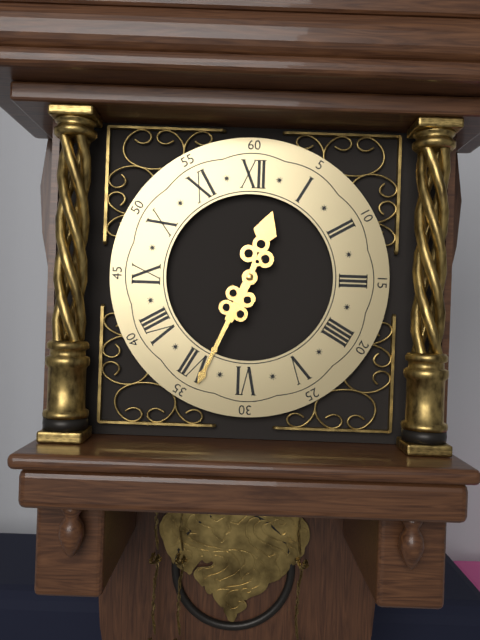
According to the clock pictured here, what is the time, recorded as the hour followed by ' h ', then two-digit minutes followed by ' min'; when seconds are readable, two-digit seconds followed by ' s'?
12 h 34 min
